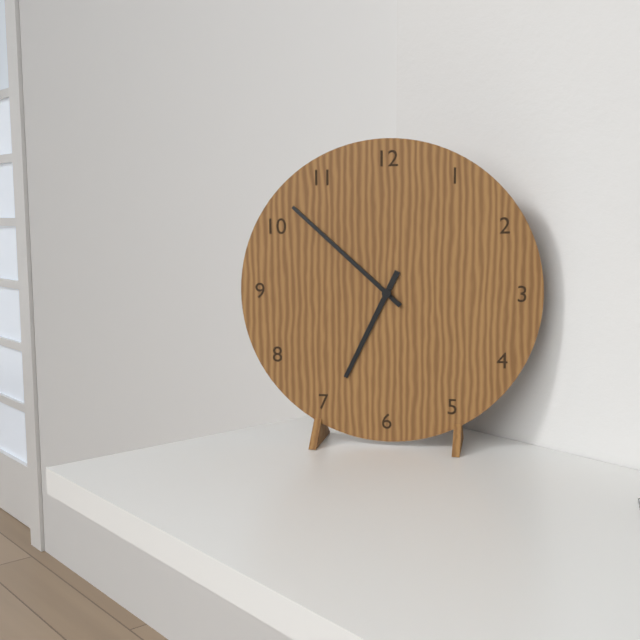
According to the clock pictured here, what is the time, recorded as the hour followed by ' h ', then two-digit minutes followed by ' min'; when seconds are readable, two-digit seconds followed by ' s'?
6 h 52 min
